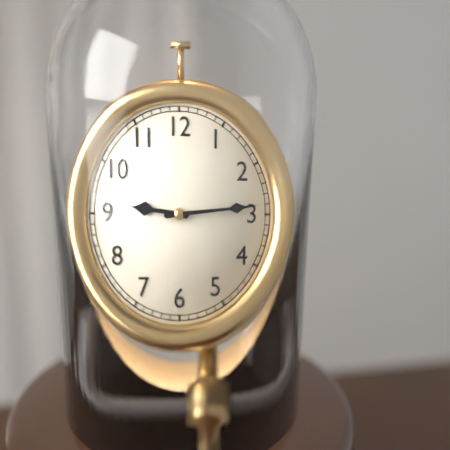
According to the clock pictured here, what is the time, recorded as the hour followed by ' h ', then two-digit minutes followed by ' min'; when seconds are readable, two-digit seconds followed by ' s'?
9 h 14 min
